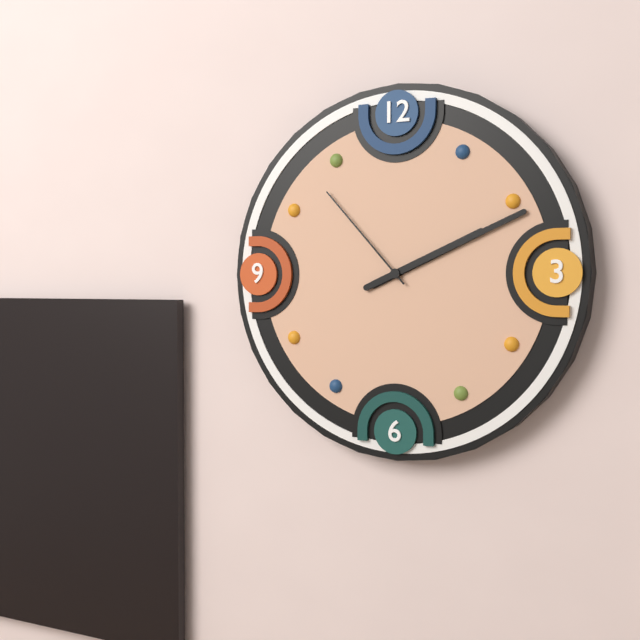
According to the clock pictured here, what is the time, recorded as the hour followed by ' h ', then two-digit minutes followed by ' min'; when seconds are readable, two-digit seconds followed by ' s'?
2 h 11 min 53 s
